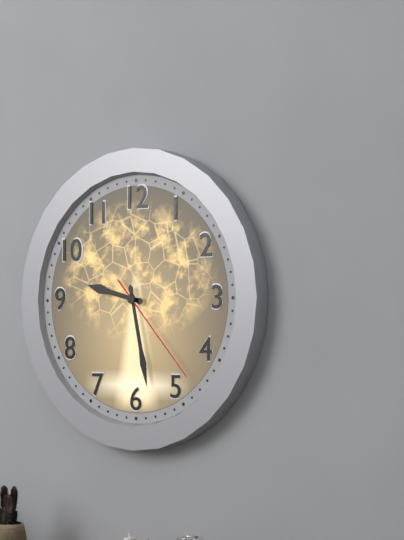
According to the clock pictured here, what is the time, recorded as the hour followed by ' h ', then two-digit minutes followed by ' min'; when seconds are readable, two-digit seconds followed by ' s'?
9 h 28 min 23 s
